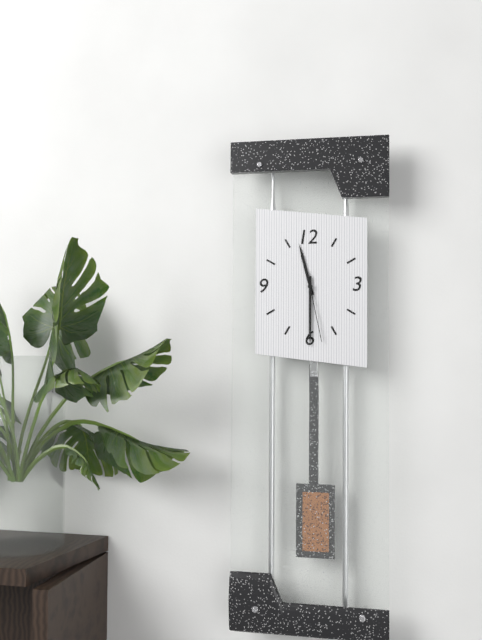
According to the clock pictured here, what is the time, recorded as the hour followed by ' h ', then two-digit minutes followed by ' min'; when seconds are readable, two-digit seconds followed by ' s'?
11 h 30 min 28 s
